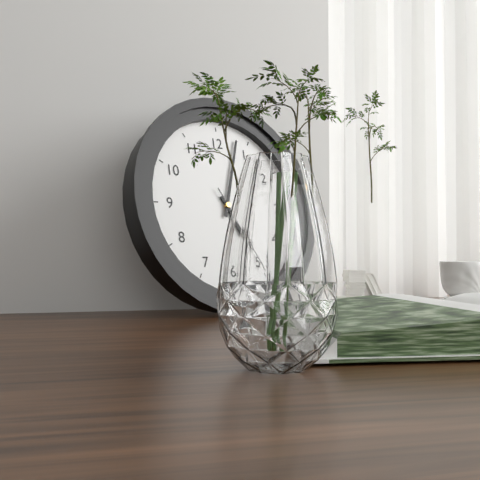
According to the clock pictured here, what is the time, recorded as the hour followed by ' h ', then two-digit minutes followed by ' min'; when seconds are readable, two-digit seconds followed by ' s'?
5 h 03 min 25 s
